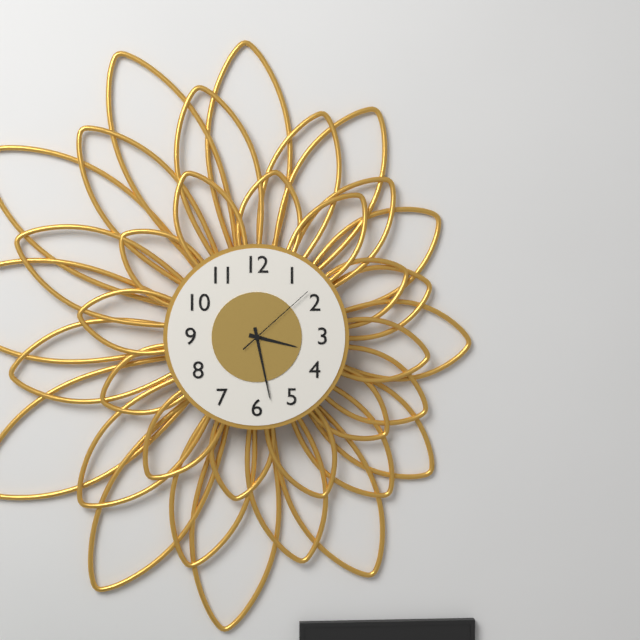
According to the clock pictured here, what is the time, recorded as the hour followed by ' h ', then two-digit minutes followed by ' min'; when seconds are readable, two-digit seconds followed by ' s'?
3 h 28 min 08 s
